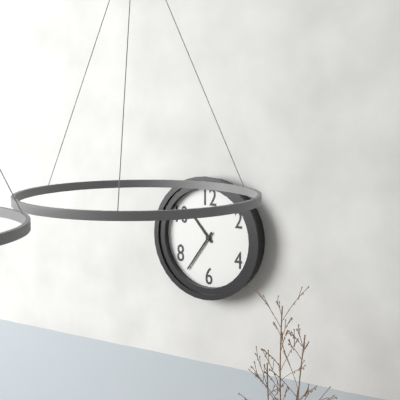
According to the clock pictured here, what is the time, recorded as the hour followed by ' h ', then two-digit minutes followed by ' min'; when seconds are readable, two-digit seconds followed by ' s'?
10 h 36 min
